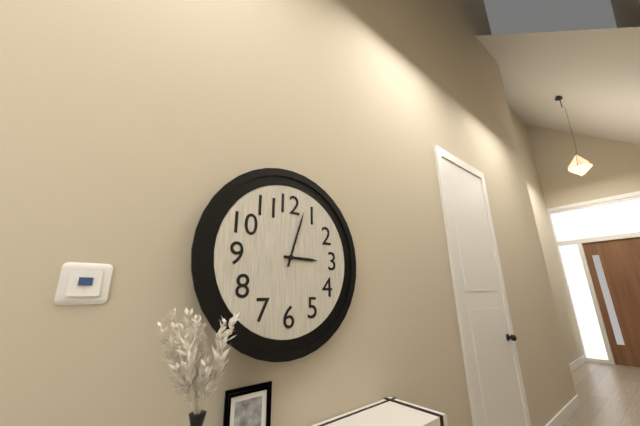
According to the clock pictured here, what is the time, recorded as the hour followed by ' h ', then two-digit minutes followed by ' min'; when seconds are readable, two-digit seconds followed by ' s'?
3 h 03 min
